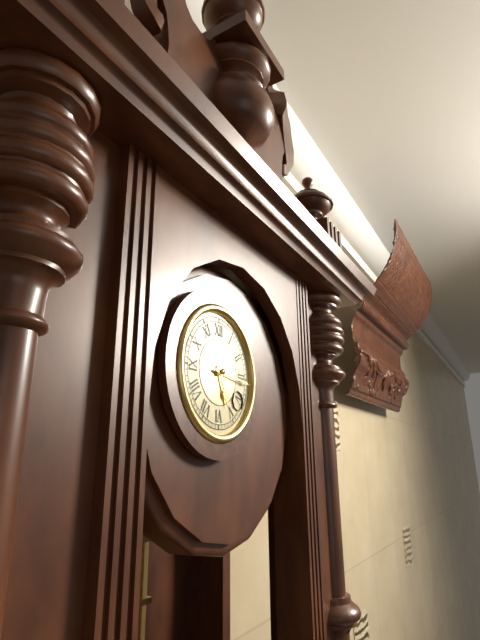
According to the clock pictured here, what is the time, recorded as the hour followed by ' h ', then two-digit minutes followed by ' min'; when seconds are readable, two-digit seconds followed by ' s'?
5 h 16 min
